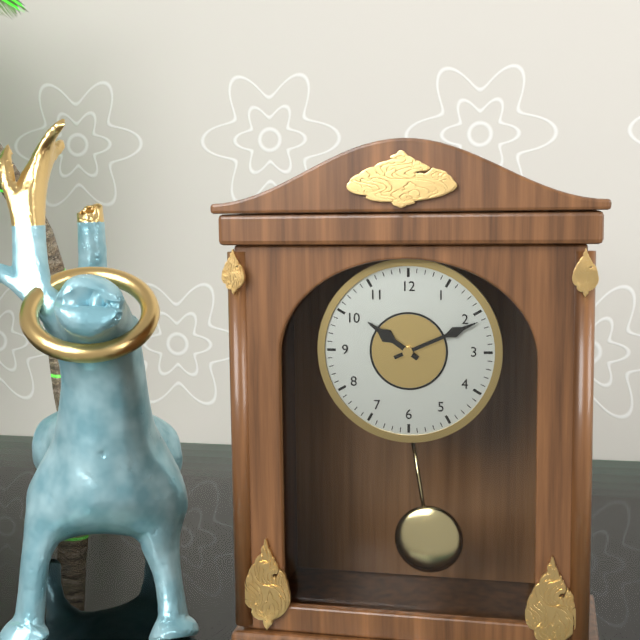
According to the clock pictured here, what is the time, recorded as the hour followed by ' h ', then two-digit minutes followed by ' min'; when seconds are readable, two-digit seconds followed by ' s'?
10 h 11 min
